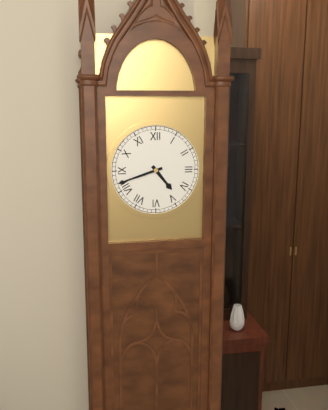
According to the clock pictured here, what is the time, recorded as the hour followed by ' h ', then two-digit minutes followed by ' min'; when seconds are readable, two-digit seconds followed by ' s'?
4 h 42 min
